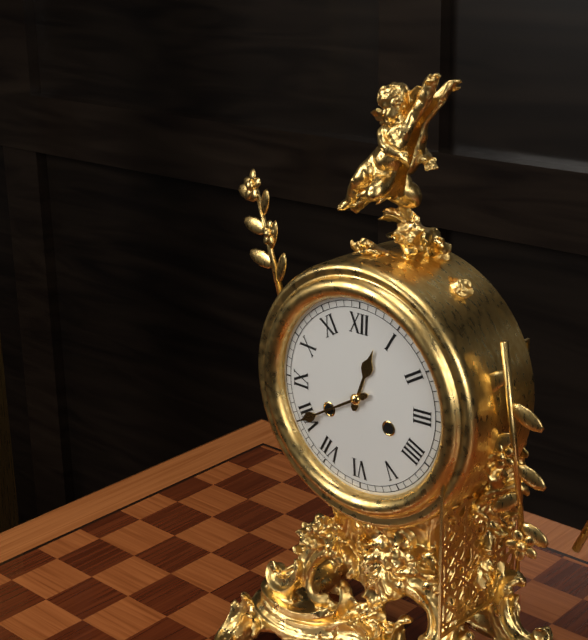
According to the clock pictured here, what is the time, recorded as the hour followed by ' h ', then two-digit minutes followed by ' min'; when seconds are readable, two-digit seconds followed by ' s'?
12 h 40 min
